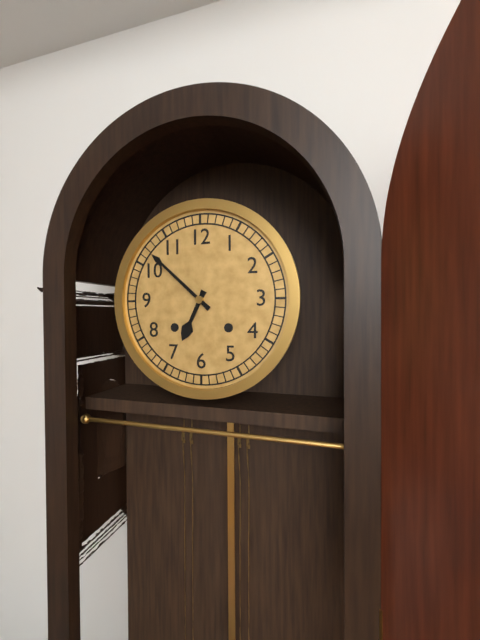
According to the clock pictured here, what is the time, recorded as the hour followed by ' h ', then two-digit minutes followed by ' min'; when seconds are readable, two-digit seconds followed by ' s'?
6 h 52 min
